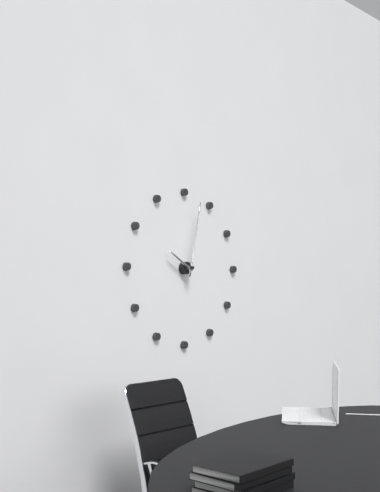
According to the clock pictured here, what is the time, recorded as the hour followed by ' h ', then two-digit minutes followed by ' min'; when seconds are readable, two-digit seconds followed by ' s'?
10 h 02 min
